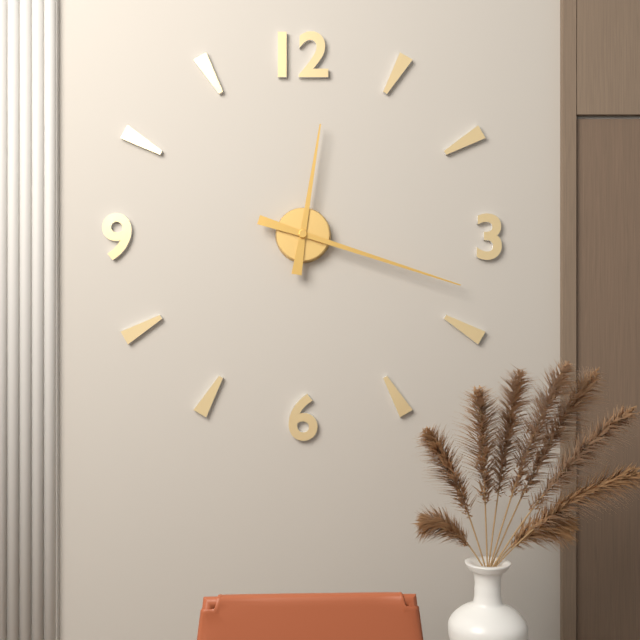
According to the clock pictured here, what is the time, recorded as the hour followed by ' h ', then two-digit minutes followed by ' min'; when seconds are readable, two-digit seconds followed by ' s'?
12 h 18 min
